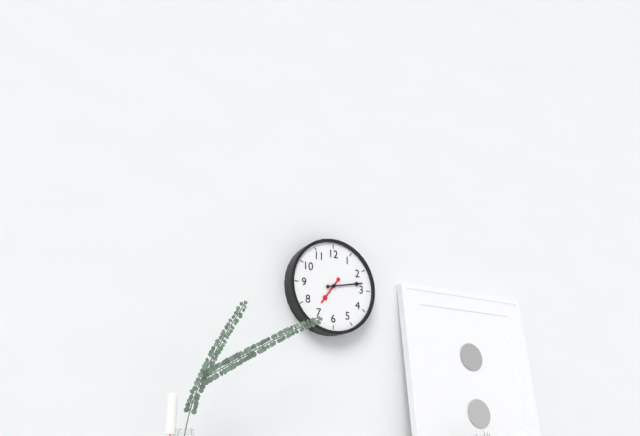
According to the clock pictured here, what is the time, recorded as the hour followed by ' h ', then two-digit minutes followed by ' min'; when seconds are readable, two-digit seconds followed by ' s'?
7 h 13 min
